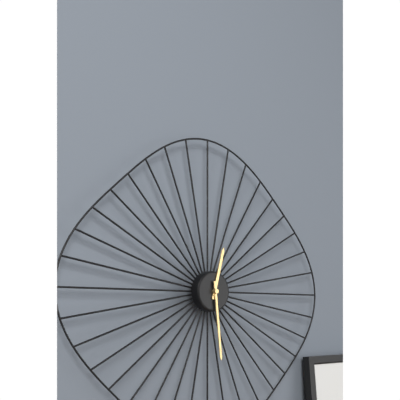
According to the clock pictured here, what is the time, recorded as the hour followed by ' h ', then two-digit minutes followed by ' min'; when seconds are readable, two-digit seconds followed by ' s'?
12 h 29 min
